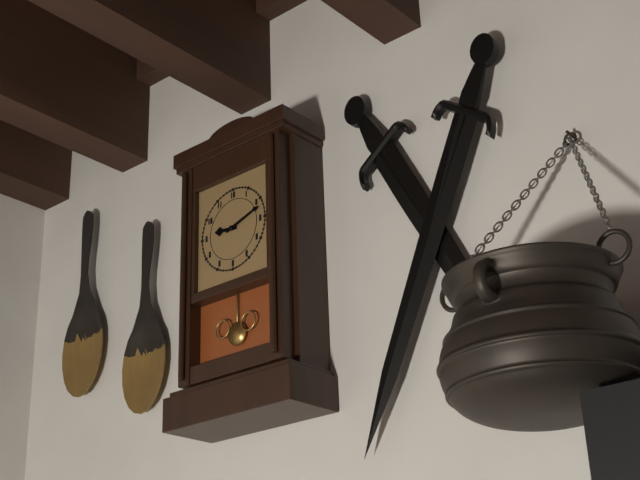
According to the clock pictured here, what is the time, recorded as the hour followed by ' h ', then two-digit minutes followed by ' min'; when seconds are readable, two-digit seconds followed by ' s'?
9 h 12 min
